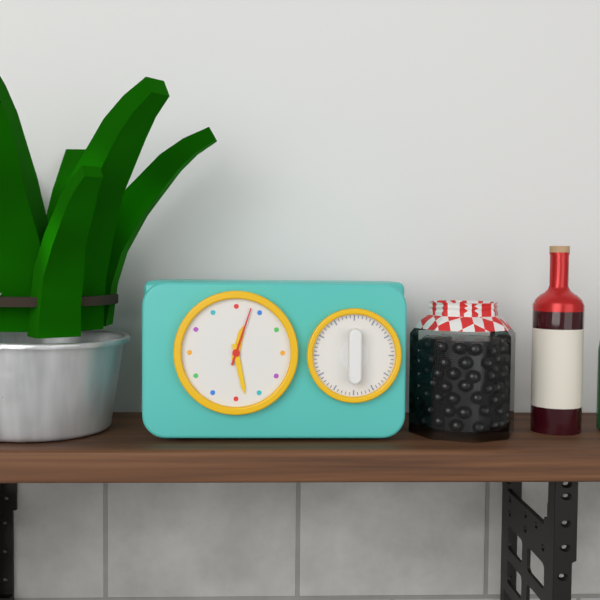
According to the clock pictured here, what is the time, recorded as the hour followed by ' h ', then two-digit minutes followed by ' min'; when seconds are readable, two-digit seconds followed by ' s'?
12 h 28 min 03 s
